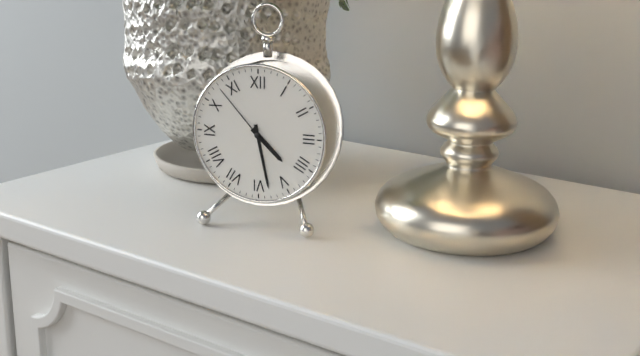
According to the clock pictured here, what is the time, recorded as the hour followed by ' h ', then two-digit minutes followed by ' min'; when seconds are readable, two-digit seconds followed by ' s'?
4 h 28 min 53 s
